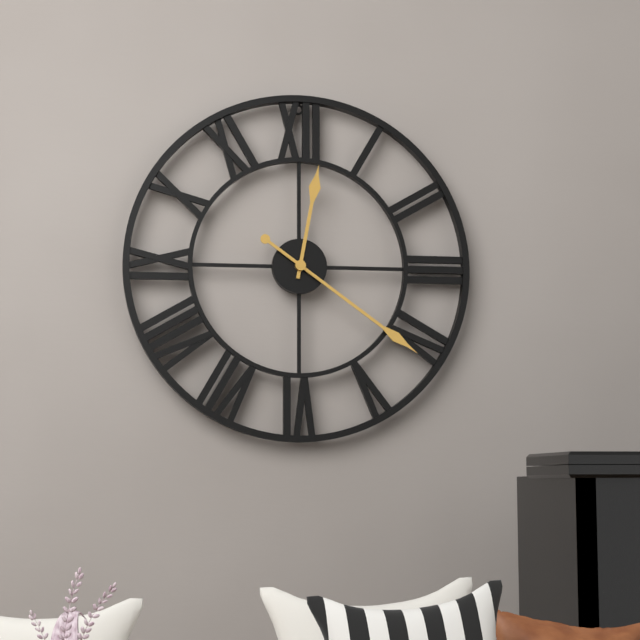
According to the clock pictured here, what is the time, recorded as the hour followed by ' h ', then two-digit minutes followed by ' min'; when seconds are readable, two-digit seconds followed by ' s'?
12 h 21 min
